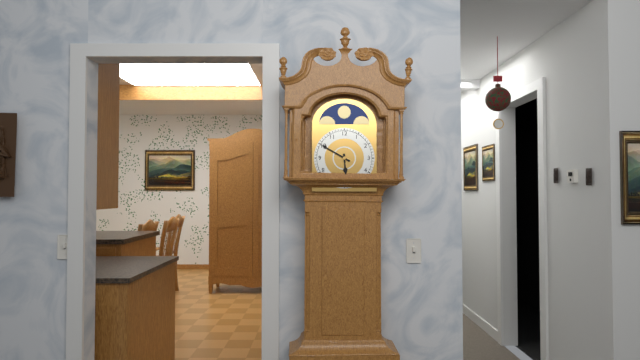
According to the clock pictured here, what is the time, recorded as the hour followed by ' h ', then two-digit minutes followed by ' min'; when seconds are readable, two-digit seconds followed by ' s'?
5 h 50 min
